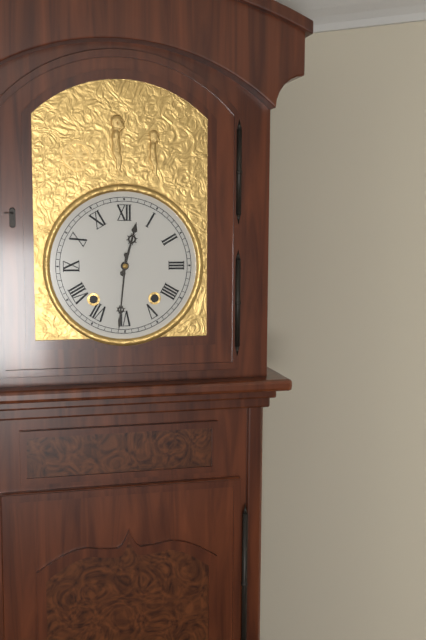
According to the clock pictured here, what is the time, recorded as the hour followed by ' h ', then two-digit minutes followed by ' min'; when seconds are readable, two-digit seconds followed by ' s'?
12 h 31 min
